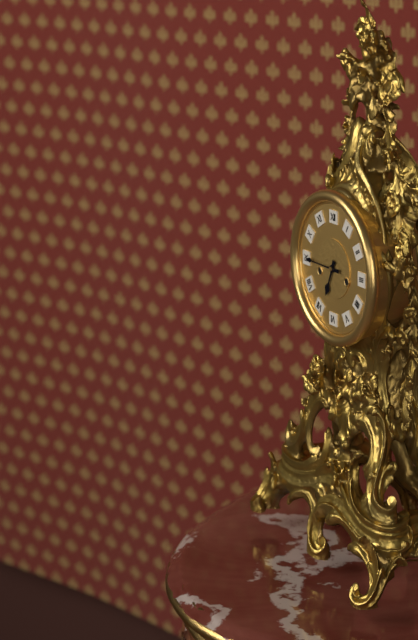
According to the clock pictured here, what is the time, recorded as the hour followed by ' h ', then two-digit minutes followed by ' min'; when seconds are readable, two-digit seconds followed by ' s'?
6 h 45 min
